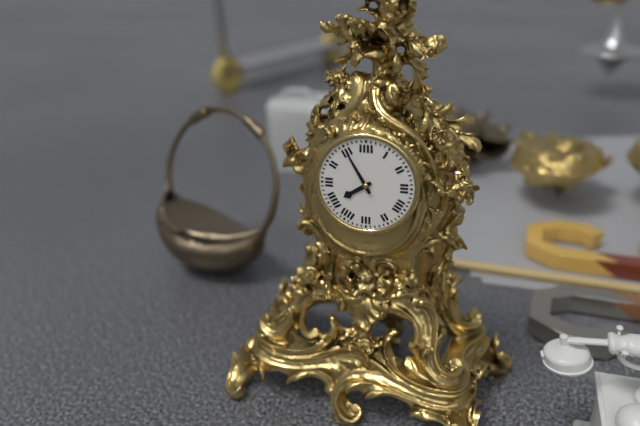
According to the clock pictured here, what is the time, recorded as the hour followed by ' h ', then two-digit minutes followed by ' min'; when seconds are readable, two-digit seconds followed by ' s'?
7 h 55 min
